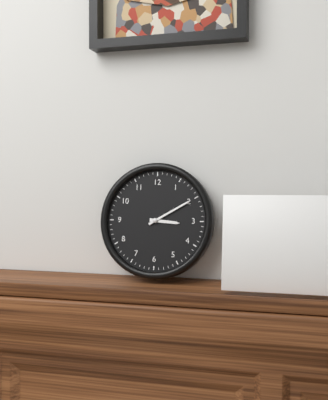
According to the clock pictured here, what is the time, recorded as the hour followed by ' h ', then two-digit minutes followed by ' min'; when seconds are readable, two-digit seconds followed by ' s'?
3 h 10 min
